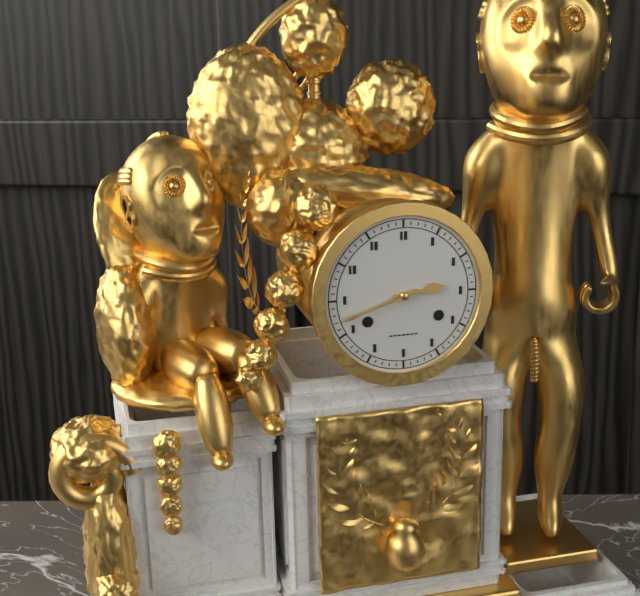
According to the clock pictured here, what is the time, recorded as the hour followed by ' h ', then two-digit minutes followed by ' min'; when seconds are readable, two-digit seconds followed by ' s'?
2 h 42 min
